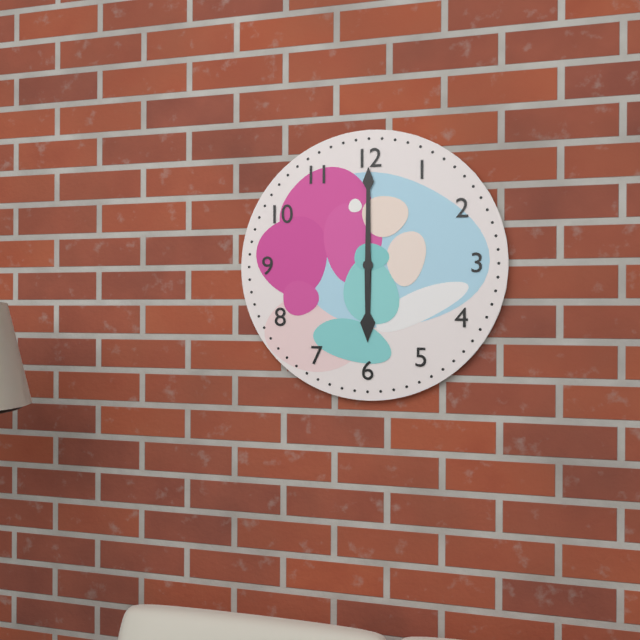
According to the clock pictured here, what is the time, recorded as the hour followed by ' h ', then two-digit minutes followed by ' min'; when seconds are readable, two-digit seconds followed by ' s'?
6 h 00 min
